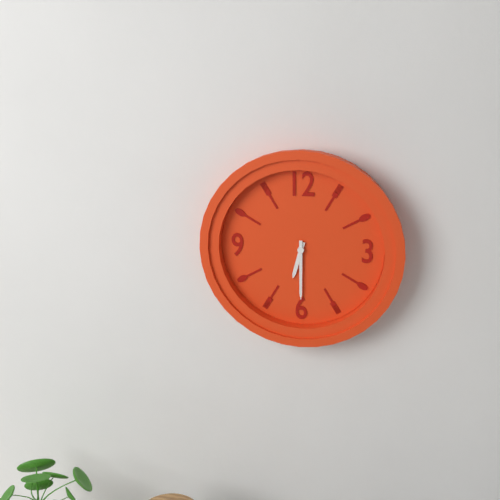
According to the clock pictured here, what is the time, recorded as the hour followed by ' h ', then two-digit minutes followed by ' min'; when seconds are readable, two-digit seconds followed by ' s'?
6 h 30 min
